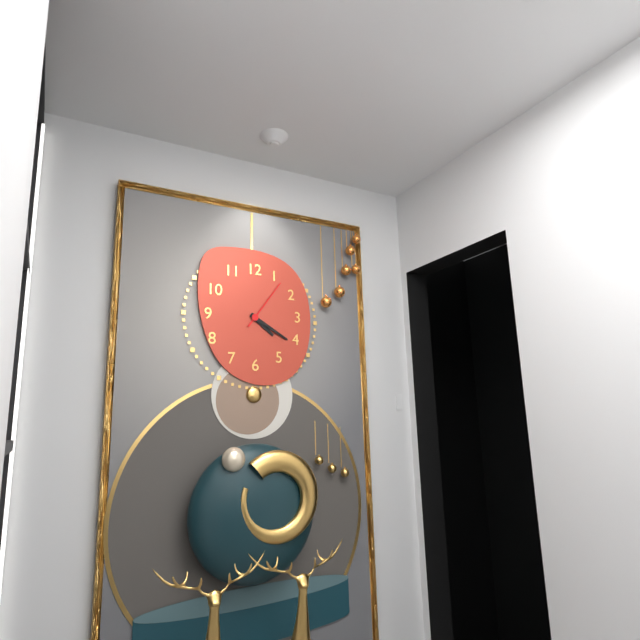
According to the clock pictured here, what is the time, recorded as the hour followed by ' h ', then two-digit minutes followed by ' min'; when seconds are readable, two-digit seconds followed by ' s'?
4 h 20 min 06 s
